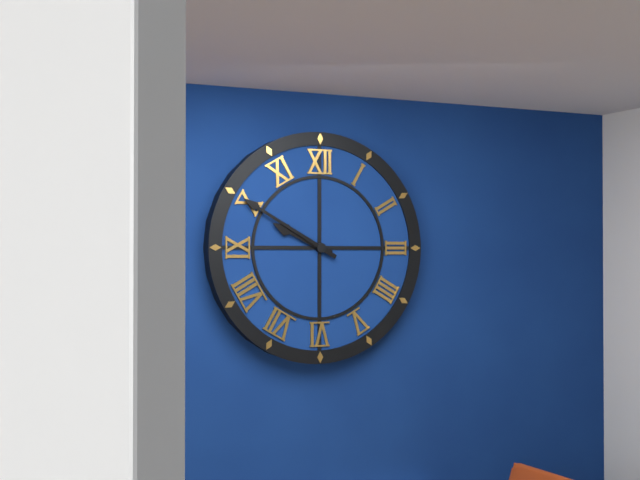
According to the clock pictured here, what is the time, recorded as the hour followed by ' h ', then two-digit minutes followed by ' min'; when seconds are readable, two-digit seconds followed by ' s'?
9 h 50 min
